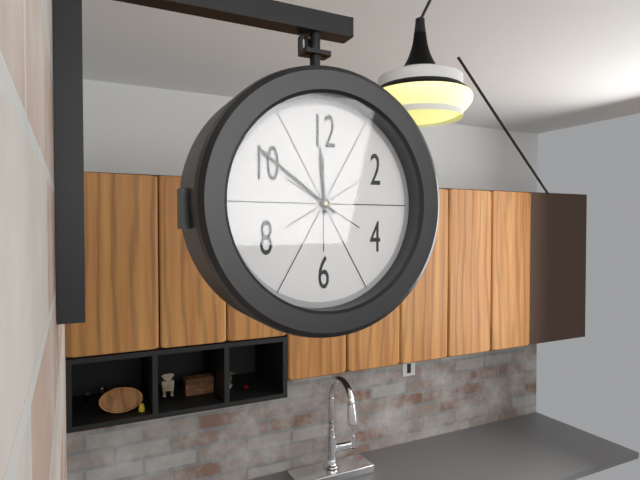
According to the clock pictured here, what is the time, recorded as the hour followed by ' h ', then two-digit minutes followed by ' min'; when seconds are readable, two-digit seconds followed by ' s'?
11 h 51 min
